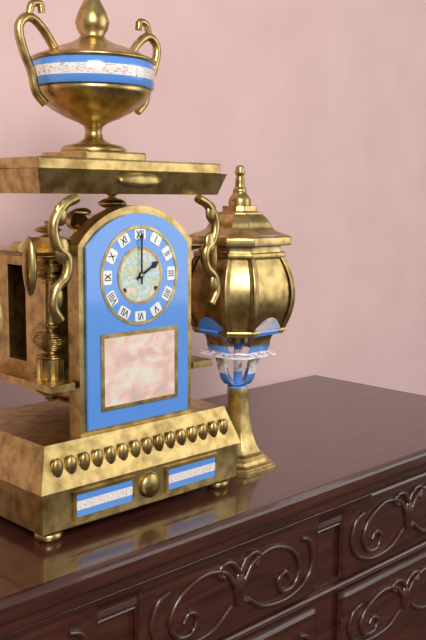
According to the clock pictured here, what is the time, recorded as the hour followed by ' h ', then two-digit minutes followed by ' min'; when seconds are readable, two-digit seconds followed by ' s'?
2 h 00 min
